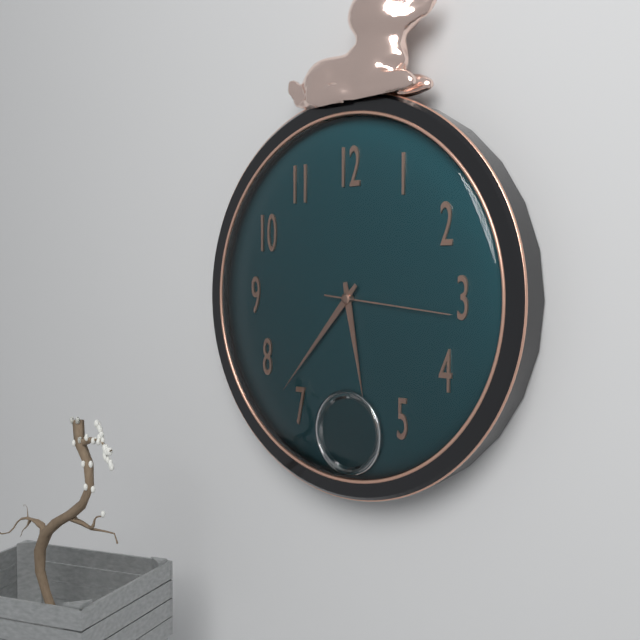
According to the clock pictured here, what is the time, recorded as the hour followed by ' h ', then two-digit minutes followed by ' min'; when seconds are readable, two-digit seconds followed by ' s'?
5 h 37 min 16 s
